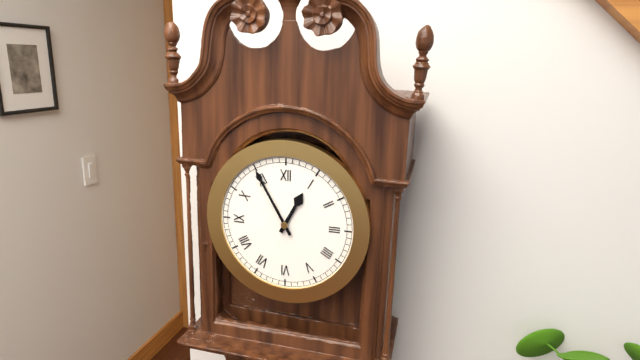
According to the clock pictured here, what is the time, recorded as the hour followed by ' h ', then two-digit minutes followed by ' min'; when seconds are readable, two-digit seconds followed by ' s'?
12 h 55 min
